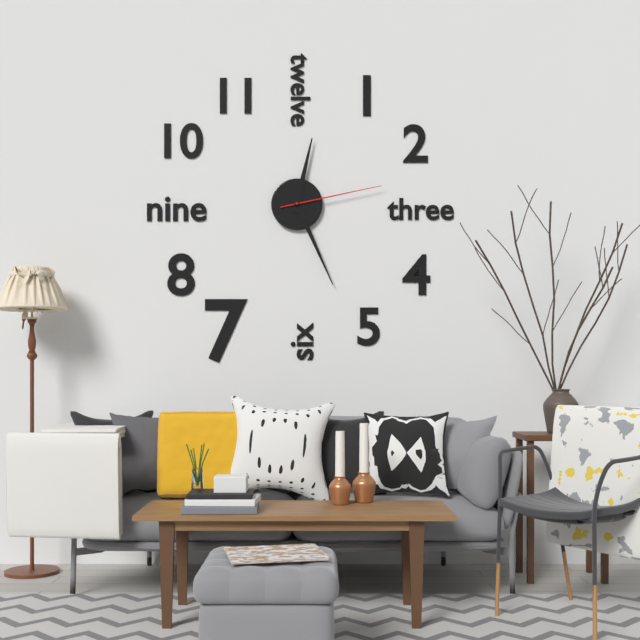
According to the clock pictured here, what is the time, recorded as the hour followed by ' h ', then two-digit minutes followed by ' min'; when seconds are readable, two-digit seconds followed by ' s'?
12 h 26 min 13 s
